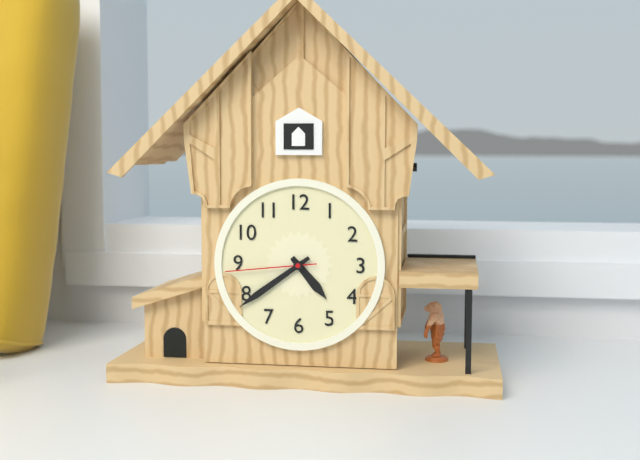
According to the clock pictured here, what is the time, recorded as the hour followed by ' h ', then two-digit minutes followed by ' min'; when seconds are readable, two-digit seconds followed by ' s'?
4 h 39 min 44 s
